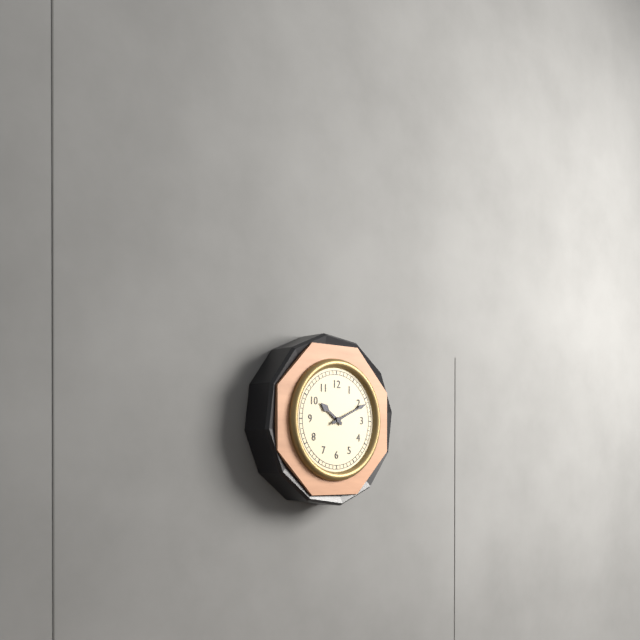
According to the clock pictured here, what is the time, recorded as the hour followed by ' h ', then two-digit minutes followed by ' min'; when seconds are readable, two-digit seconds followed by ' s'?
10 h 11 min
